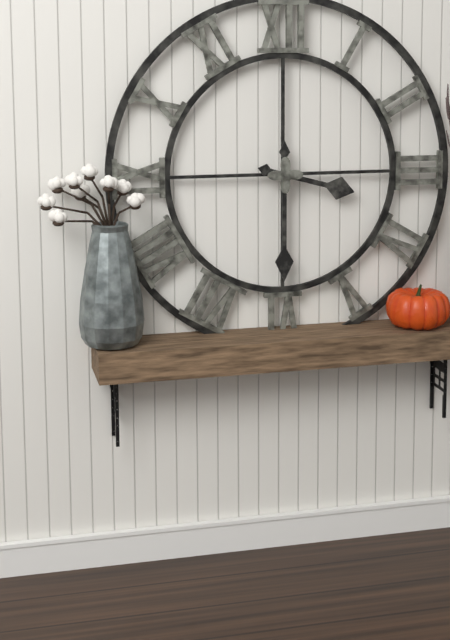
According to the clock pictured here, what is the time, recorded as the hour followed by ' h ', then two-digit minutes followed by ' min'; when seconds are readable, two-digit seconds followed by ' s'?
3 h 30 min
